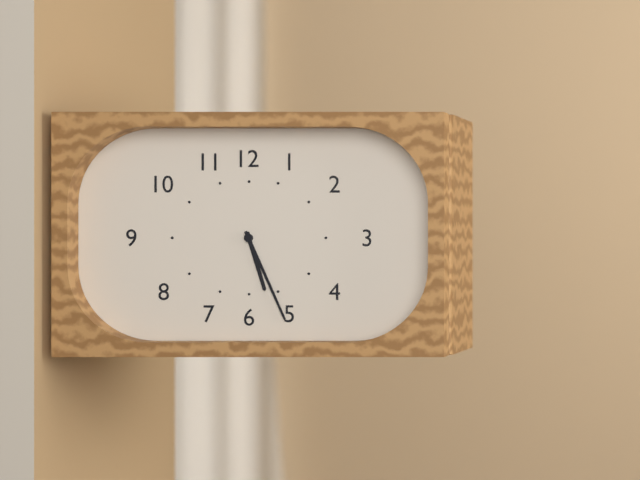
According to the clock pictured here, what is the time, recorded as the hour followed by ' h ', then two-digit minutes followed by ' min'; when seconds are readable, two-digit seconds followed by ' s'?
5 h 26 min
